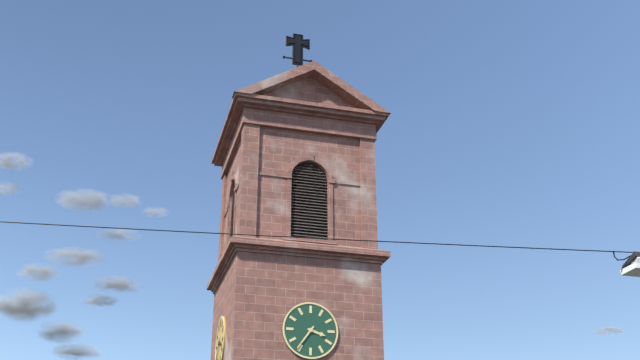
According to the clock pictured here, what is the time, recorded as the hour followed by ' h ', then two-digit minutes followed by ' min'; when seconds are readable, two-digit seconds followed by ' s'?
3 h 36 min
